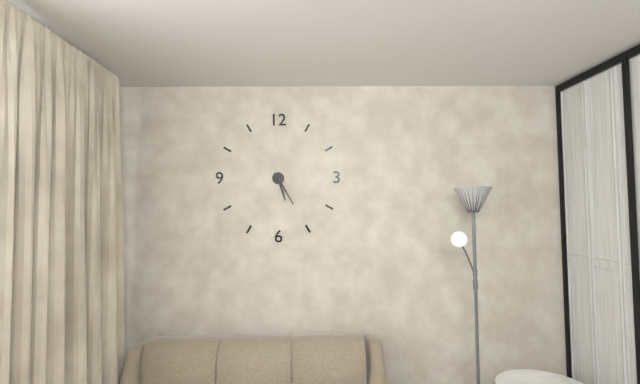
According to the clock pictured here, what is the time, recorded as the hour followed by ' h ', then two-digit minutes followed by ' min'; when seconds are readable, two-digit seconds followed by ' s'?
5 h 25 min
